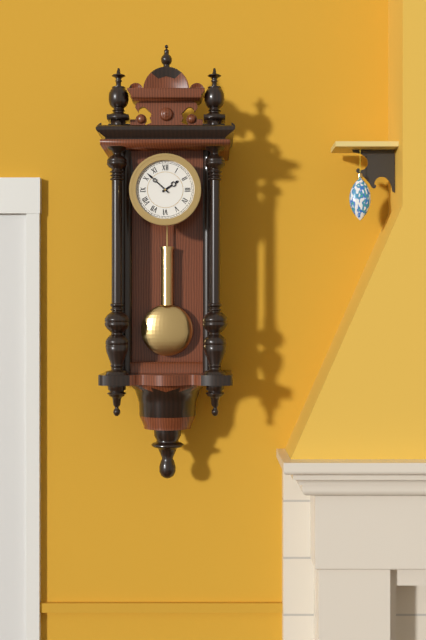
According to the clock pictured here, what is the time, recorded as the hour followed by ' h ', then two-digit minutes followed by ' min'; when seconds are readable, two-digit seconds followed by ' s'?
1 h 52 min
